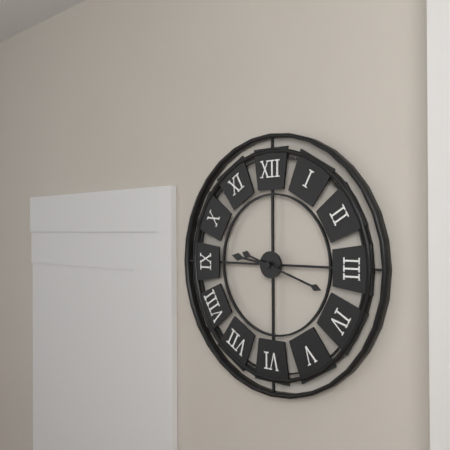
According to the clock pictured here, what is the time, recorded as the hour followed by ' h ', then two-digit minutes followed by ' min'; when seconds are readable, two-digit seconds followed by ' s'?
9 h 18 min
